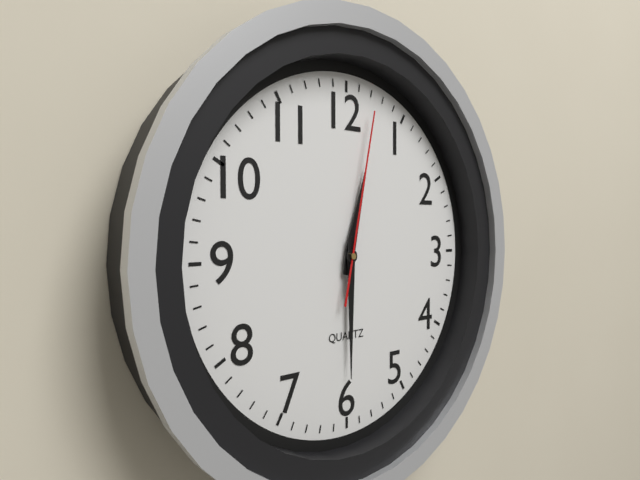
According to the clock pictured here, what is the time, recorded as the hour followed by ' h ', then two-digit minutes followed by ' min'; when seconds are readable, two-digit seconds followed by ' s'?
12 h 30 min 02 s
